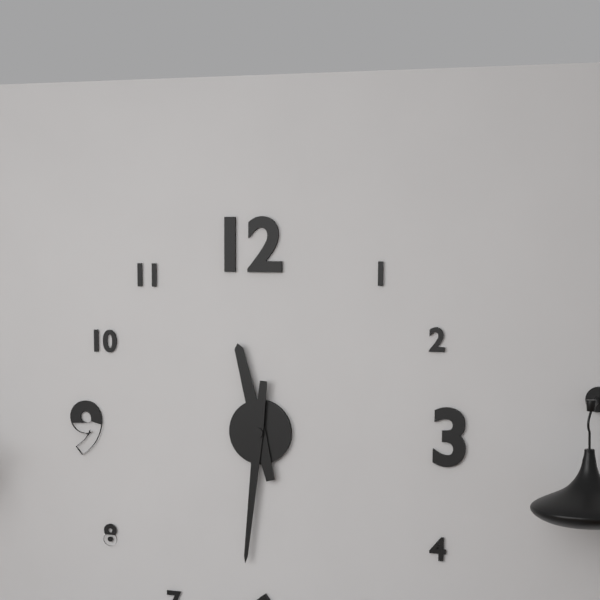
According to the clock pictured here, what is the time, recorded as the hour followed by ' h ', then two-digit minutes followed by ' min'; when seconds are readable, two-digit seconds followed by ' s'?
11 h 31 min
